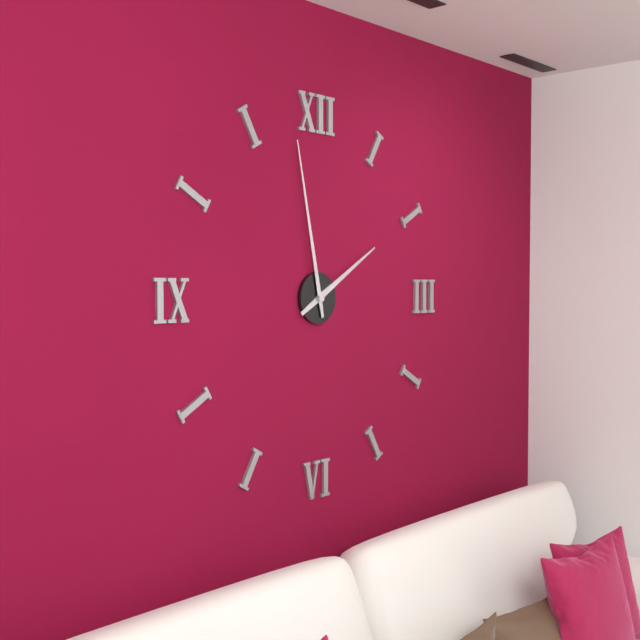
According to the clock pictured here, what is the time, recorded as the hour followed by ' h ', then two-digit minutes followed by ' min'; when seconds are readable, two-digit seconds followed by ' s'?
1 h 58 min
